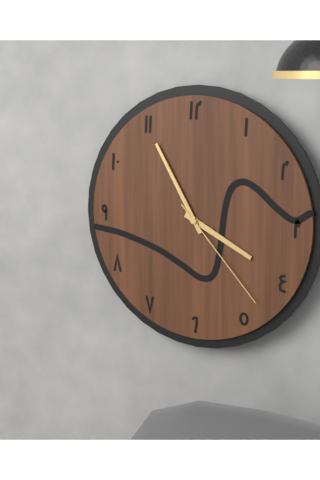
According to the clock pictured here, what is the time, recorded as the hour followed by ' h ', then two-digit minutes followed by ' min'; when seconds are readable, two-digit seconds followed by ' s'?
3 h 55 min 23 s
